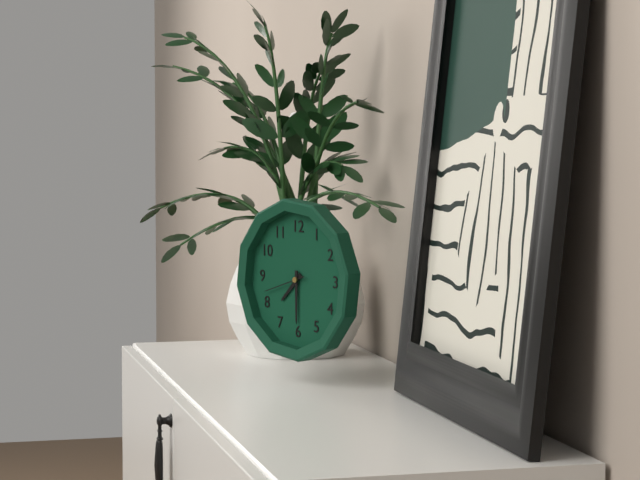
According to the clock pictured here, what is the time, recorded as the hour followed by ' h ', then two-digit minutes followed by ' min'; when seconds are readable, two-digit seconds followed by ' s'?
7 h 30 min
